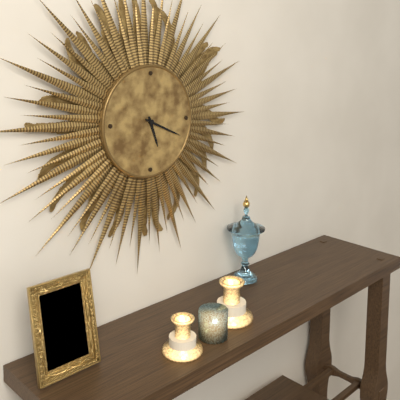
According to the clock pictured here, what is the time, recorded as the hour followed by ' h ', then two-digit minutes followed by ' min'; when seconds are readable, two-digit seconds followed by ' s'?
5 h 19 min
